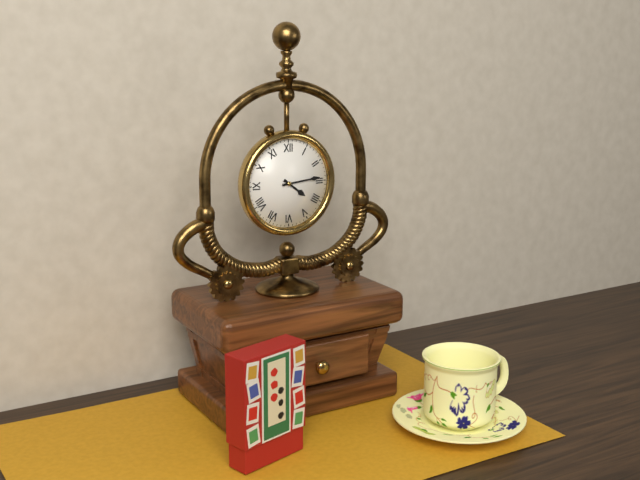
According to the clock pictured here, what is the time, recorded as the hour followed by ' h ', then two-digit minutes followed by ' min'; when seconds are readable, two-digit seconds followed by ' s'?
4 h 14 min
